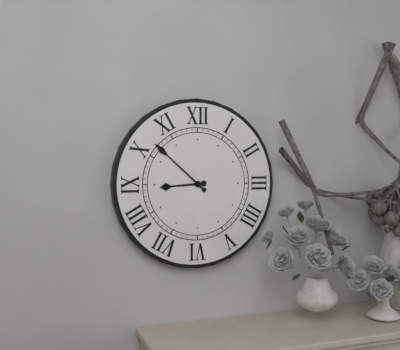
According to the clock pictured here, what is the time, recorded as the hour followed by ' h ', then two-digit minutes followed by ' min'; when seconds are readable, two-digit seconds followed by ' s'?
8 h 52 min
